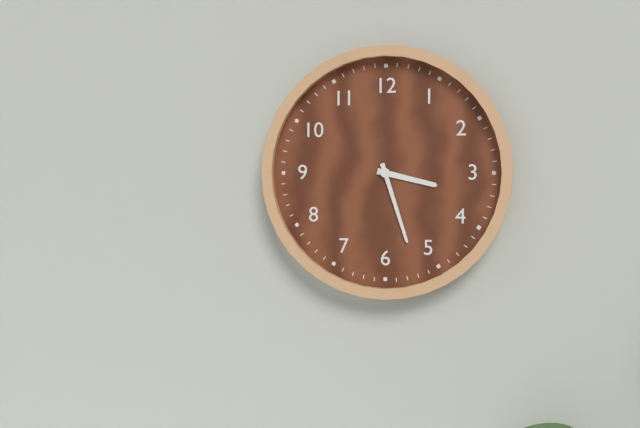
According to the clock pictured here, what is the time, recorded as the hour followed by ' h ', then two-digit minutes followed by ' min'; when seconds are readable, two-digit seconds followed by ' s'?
3 h 27 min
